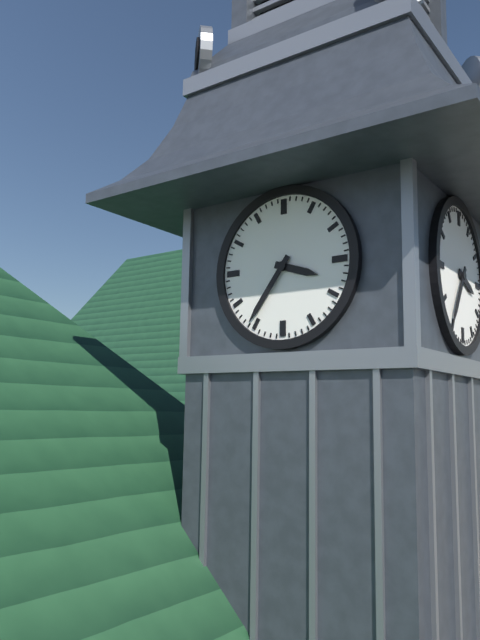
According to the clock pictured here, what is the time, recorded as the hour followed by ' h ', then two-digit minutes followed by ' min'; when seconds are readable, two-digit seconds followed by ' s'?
3 h 36 min
